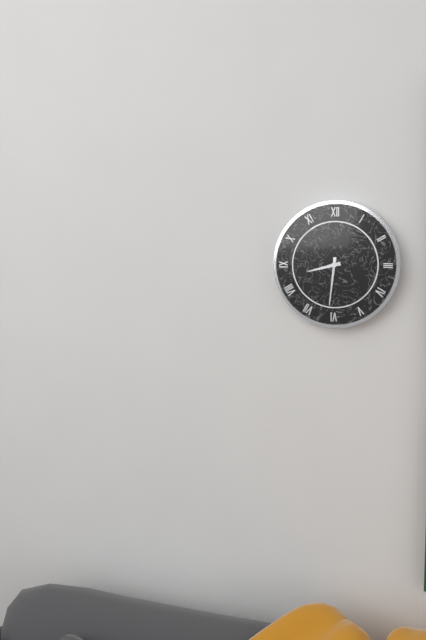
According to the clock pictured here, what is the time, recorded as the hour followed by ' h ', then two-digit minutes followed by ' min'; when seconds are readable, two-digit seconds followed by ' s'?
8 h 31 min
